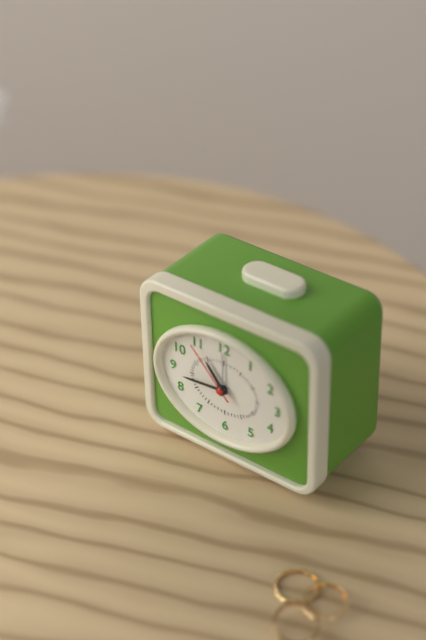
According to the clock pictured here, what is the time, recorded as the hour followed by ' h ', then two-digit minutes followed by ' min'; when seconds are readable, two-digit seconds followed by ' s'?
10 h 44 min 53 s
